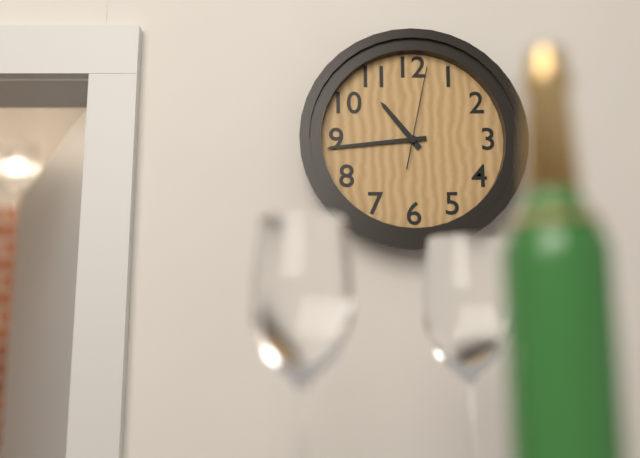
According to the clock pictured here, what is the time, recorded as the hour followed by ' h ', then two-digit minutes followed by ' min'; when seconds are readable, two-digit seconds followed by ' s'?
10 h 44 min 02 s
